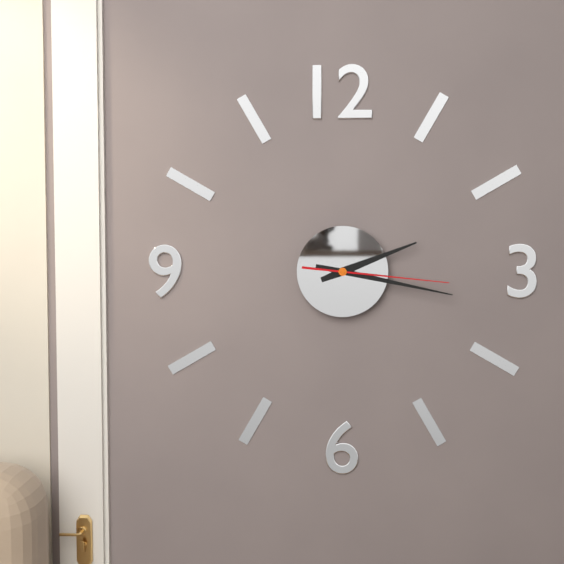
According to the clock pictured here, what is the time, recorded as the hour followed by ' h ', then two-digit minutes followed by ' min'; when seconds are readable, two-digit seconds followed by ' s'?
2 h 17 min 16 s
